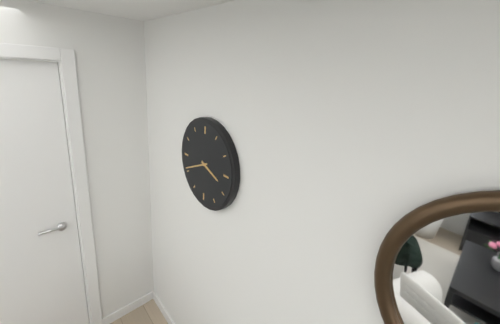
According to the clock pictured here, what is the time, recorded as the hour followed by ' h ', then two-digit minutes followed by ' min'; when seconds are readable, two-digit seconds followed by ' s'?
3 h 41 min
